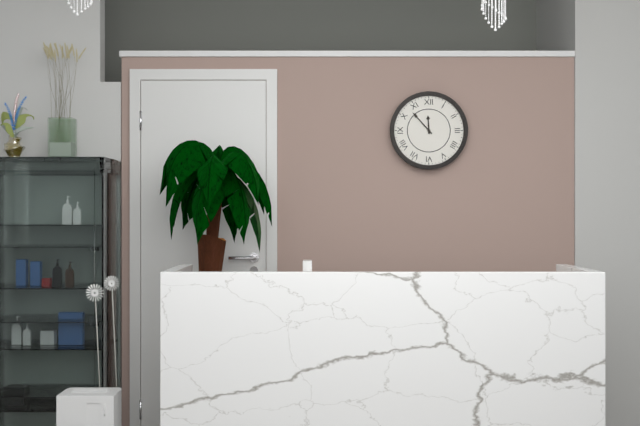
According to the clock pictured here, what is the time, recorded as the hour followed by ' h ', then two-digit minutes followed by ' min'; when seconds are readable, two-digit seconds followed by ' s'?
11 h 53 min
